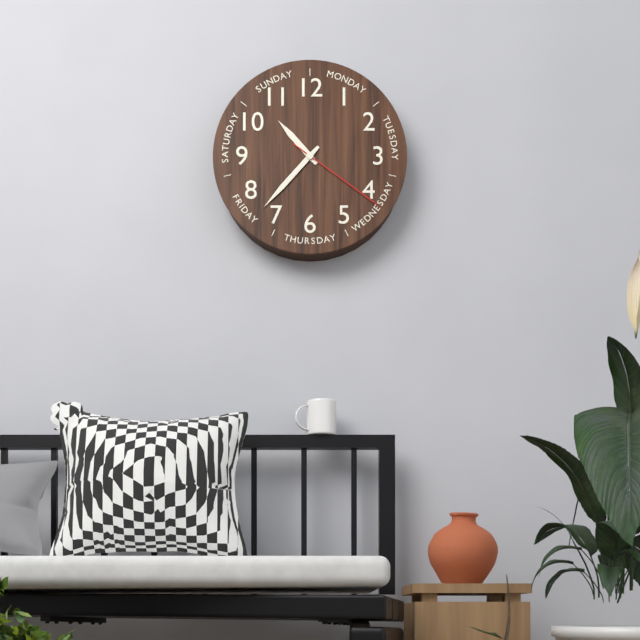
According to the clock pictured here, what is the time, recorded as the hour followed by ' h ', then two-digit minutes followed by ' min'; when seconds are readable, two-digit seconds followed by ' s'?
10 h 37 min 21 s
